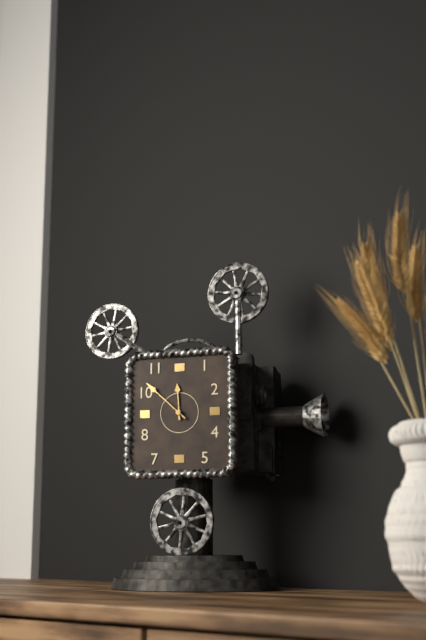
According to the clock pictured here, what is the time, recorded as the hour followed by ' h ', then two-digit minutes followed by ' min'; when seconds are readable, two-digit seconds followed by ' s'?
11 h 52 min
